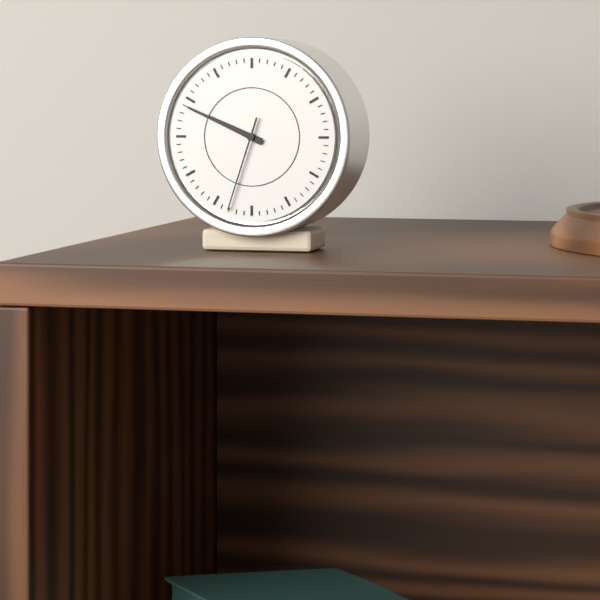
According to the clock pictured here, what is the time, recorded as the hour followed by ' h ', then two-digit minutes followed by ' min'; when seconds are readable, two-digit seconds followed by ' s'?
9 h 49 min 33 s
